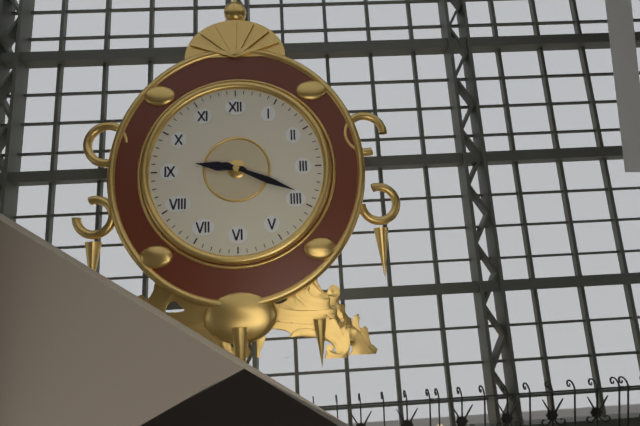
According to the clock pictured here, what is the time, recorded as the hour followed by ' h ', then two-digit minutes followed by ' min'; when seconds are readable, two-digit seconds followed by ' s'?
9 h 19 min
